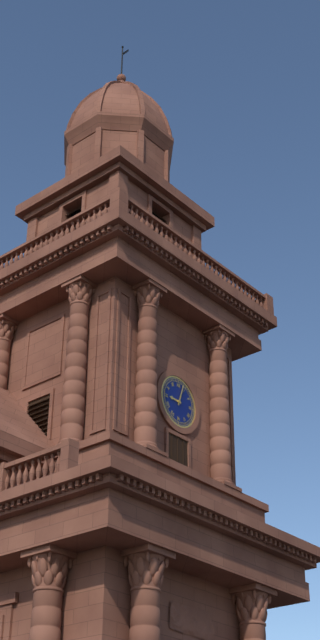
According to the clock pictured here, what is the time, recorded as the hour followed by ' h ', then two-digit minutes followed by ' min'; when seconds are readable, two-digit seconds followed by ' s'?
9 h 03 min
